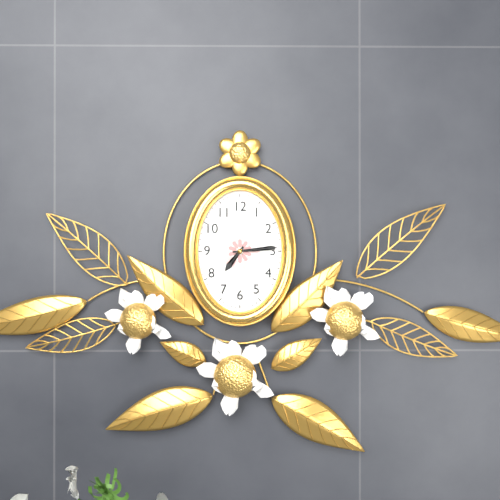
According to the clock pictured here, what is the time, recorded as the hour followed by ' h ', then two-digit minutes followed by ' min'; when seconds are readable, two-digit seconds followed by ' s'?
7 h 14 min
